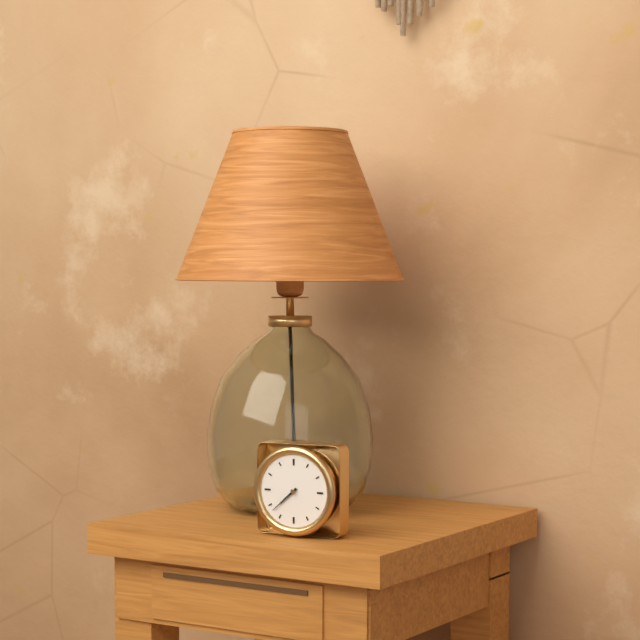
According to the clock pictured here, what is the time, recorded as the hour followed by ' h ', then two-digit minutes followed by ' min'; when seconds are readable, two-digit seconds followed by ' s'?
7 h 38 min
